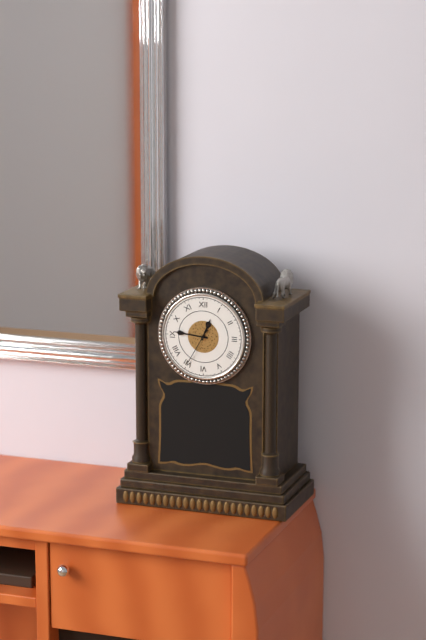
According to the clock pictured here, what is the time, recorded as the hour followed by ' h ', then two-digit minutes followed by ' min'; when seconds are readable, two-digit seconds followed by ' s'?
12 h 46 min
